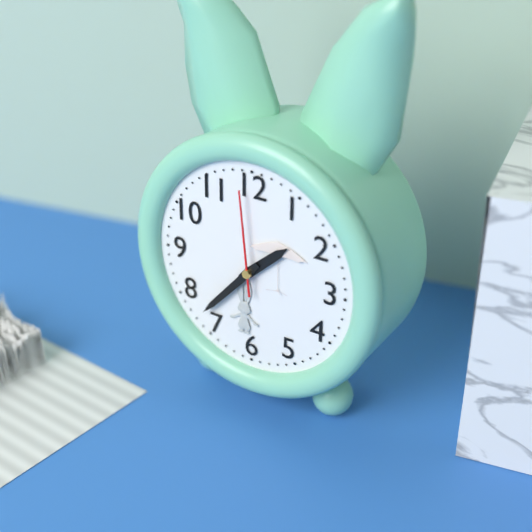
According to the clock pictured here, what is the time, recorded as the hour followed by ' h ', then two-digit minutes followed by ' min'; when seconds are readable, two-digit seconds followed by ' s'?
1 h 37 min 59 s
